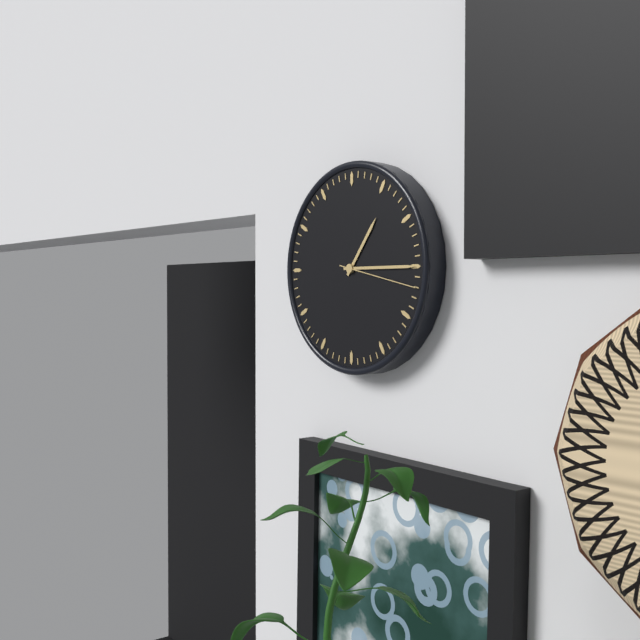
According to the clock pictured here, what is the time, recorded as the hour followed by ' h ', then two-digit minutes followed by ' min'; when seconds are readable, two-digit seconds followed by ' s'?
1 h 15 min 17 s
